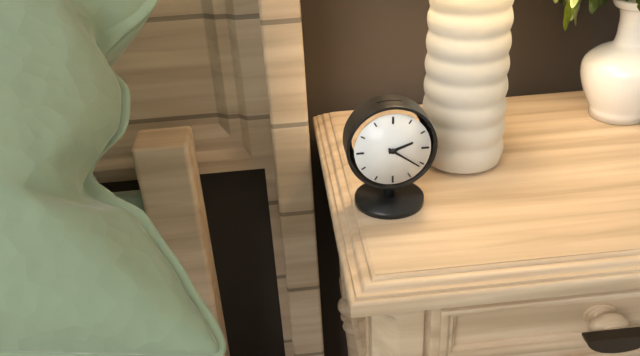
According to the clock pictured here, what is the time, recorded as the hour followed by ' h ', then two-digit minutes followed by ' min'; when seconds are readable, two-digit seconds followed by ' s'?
2 h 21 min
